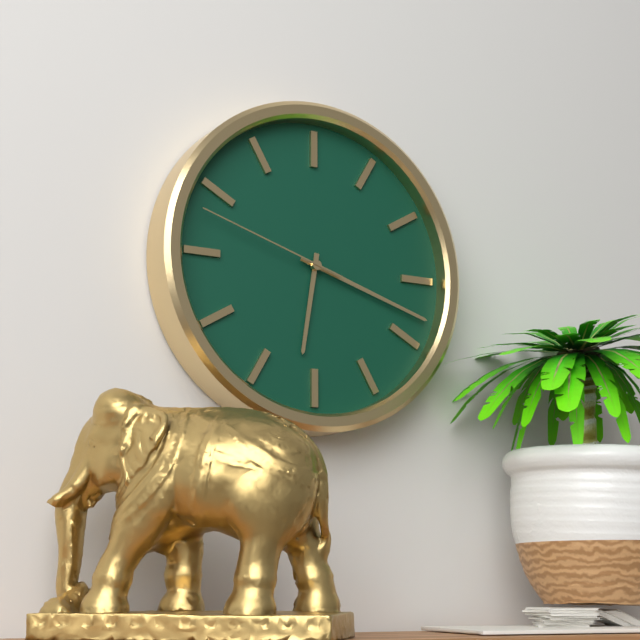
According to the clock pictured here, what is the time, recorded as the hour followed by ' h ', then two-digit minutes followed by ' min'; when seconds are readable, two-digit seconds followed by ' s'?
6 h 18 min 48 s
